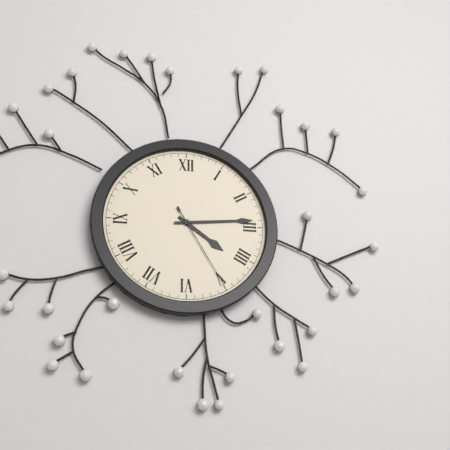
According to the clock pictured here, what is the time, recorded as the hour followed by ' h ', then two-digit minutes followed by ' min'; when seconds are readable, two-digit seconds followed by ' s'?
4 h 14 min 25 s
